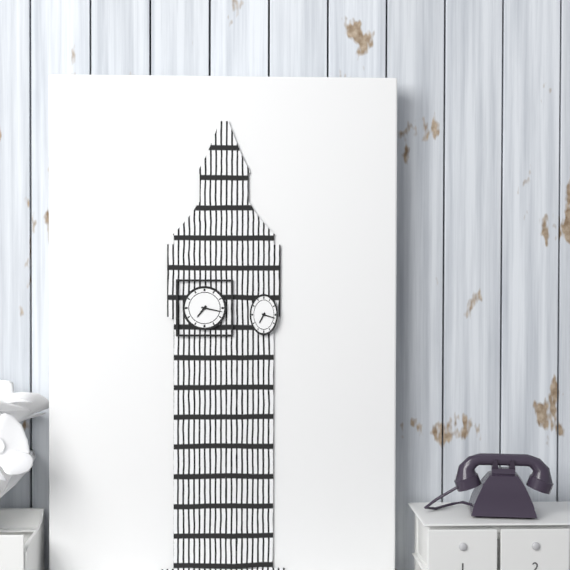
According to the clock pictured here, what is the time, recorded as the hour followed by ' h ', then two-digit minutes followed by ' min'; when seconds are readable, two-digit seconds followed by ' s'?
7 h 17 min
